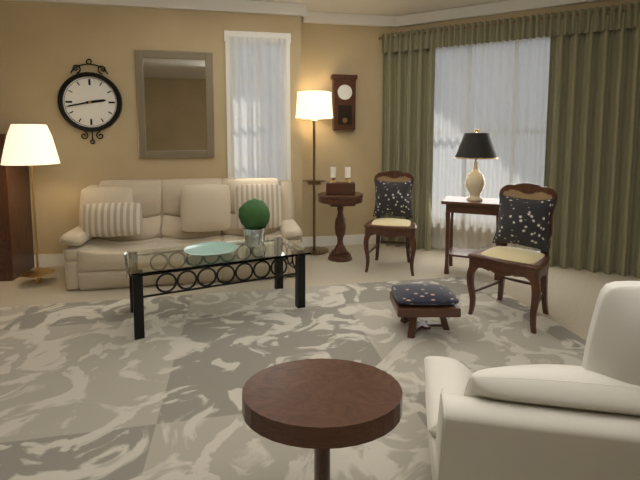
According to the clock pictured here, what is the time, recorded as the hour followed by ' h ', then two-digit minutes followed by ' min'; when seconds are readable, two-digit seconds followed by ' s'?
2 h 43 min
